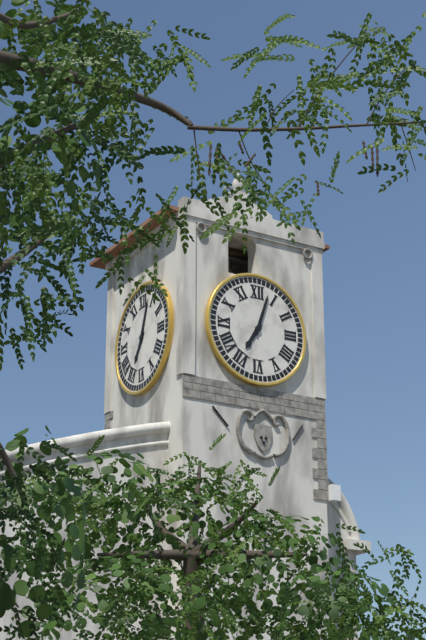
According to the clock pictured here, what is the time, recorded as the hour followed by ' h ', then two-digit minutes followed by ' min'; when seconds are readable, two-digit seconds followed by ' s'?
7 h 03 min
